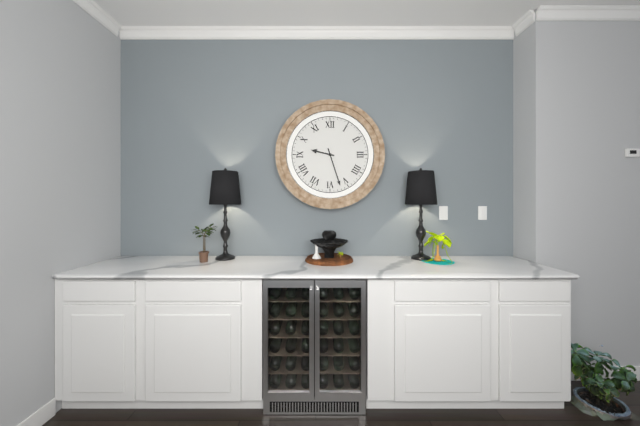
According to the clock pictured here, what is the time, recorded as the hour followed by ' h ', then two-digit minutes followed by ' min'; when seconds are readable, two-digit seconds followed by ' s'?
9 h 27 min
